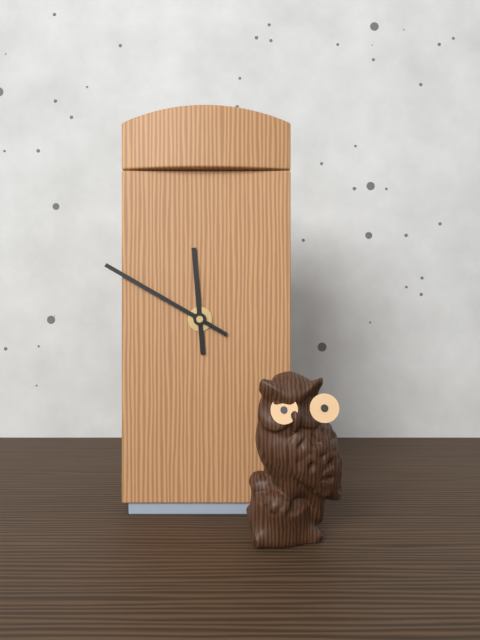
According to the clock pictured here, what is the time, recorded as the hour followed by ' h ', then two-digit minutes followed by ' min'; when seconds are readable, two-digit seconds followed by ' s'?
11 h 50 min
